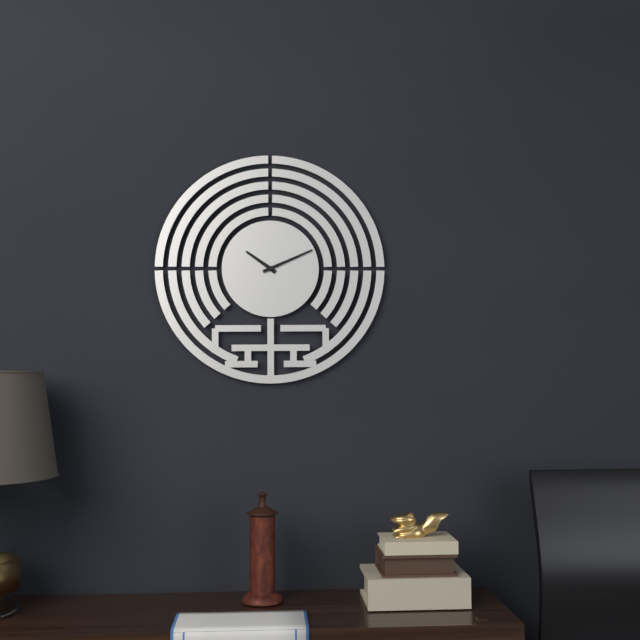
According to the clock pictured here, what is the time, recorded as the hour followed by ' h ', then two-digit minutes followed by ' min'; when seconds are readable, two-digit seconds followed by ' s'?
10 h 11 min
